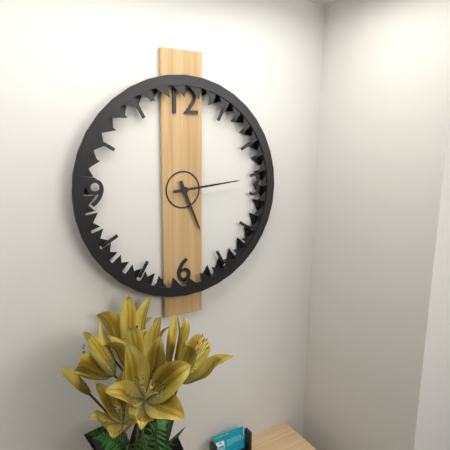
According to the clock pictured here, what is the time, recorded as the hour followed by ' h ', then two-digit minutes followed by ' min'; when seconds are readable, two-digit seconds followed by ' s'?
5 h 14 min
